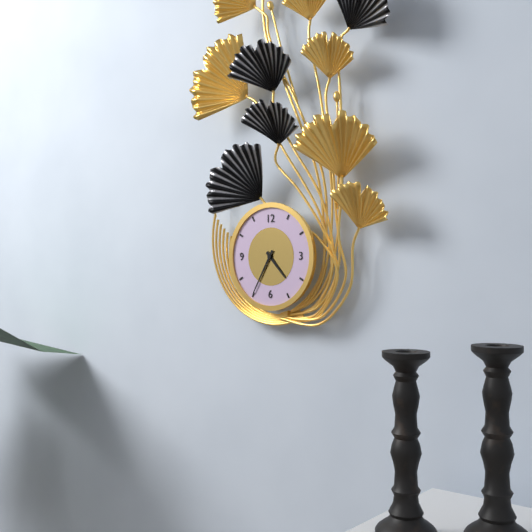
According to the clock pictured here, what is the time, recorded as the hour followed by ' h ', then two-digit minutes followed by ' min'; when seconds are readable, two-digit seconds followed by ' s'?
4 h 35 min
